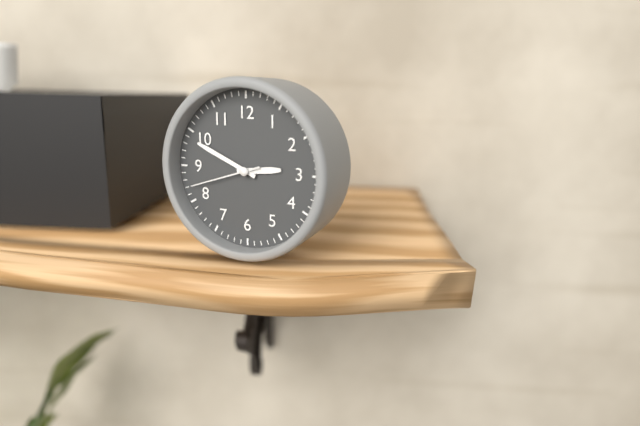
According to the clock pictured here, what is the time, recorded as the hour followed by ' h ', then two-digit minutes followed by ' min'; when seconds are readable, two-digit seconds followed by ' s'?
2 h 49 min 42 s
